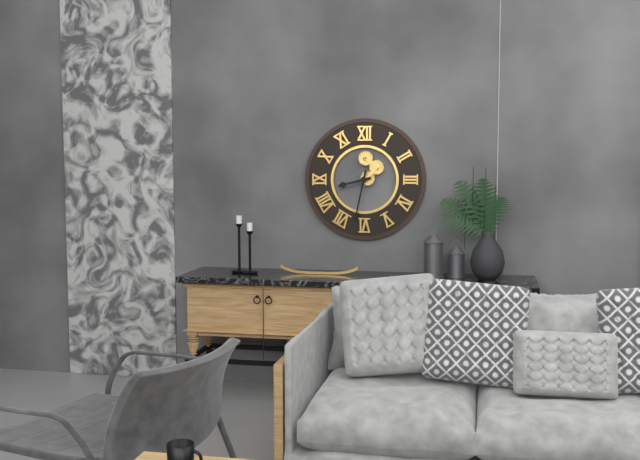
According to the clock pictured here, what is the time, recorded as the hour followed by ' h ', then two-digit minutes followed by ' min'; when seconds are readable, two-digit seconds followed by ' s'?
8 h 32 min
